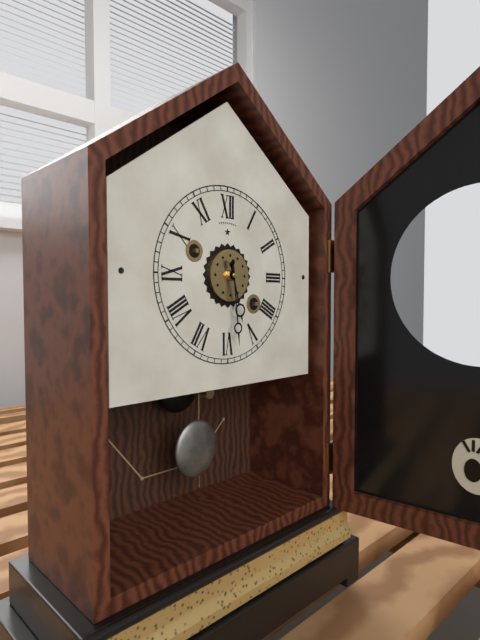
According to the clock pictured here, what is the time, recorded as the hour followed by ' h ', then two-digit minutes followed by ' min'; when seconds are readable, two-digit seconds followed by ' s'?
5 h 29 min
